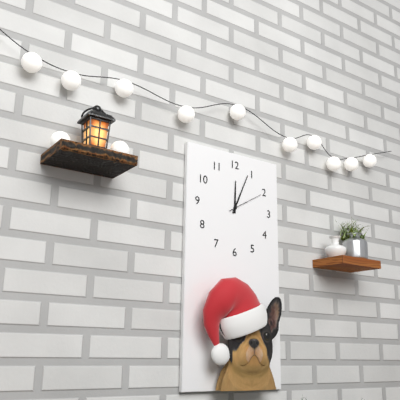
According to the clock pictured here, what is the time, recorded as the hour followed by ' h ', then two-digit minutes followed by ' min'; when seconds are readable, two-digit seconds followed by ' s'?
12 h 04 min
